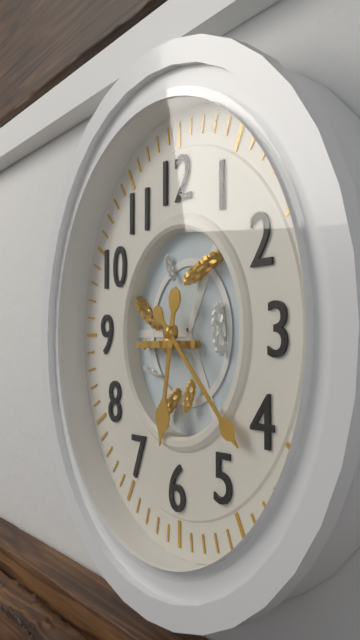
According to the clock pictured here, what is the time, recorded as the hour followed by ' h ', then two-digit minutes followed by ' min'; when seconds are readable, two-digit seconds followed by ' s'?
6 h 22 min
